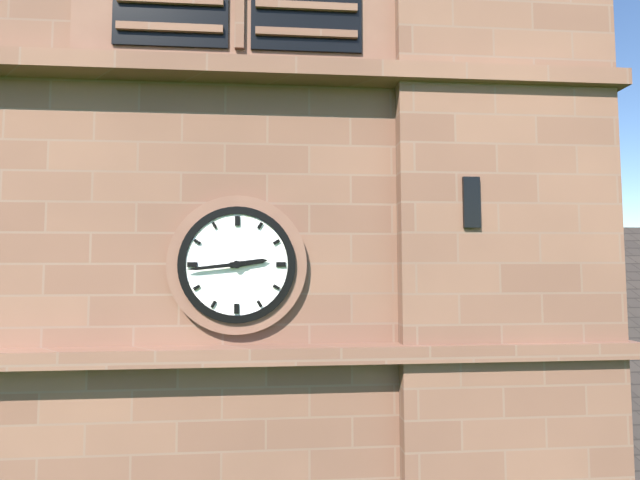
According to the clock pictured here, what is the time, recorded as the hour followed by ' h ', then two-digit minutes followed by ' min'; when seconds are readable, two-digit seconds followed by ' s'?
2 h 44 min
